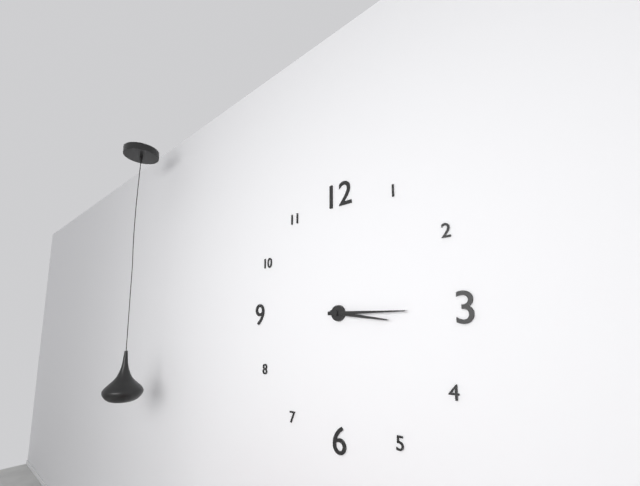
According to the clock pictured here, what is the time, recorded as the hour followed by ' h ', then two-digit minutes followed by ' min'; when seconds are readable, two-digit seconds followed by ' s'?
3 h 15 min
